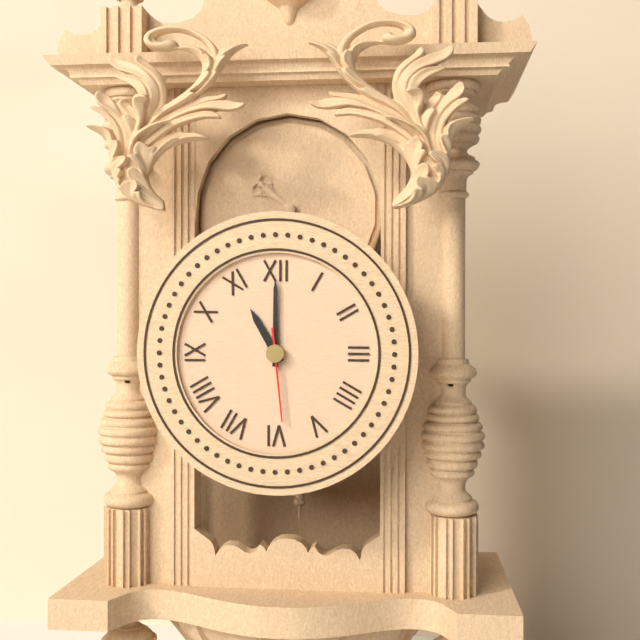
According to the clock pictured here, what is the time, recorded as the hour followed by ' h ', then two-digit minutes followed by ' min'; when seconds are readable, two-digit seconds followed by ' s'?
11 h 00 min 29 s
